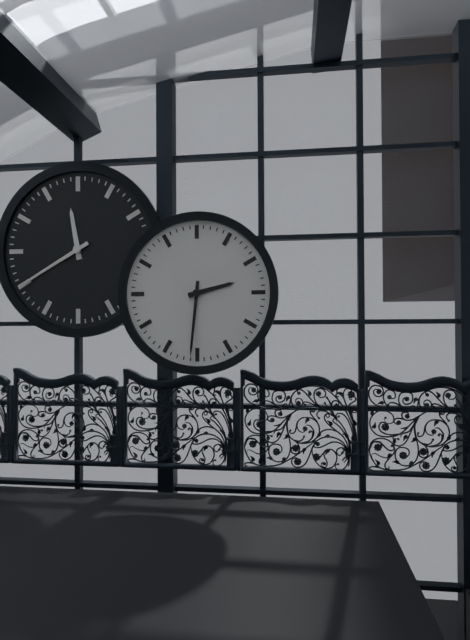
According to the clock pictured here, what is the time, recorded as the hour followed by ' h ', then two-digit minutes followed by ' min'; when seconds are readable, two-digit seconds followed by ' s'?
2 h 31 min
